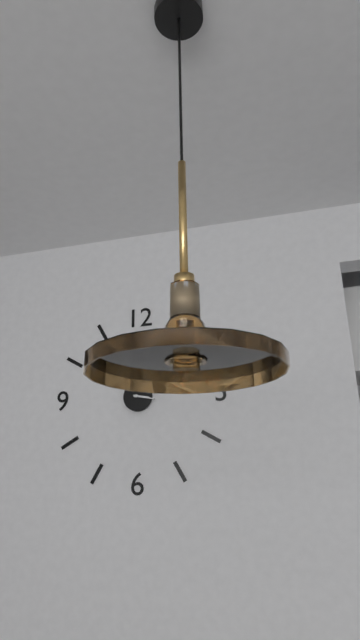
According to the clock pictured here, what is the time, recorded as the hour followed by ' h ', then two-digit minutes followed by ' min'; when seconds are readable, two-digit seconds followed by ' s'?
3 h 17 min
